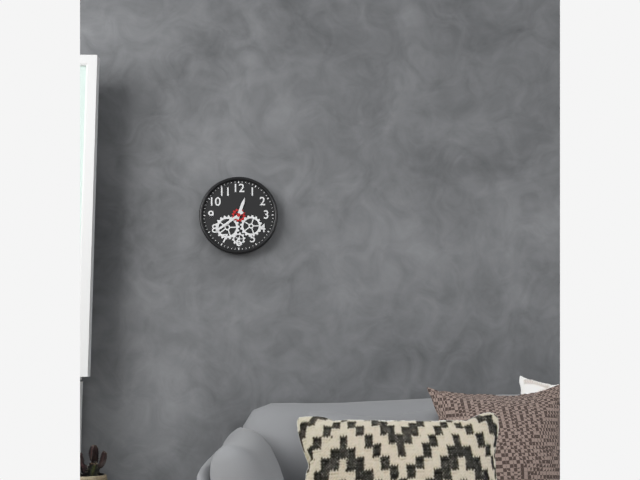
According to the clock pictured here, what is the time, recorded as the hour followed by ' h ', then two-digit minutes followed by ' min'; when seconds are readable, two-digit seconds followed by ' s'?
12 h 39 min
